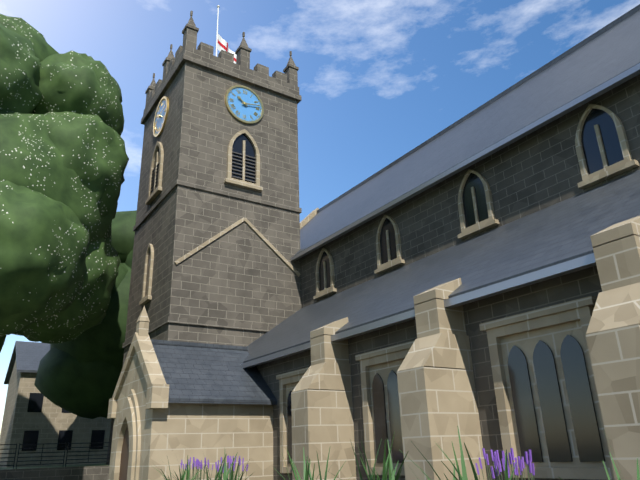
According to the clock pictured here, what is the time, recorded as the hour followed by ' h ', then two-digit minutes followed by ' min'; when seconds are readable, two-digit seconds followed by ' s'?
10 h 13 min
